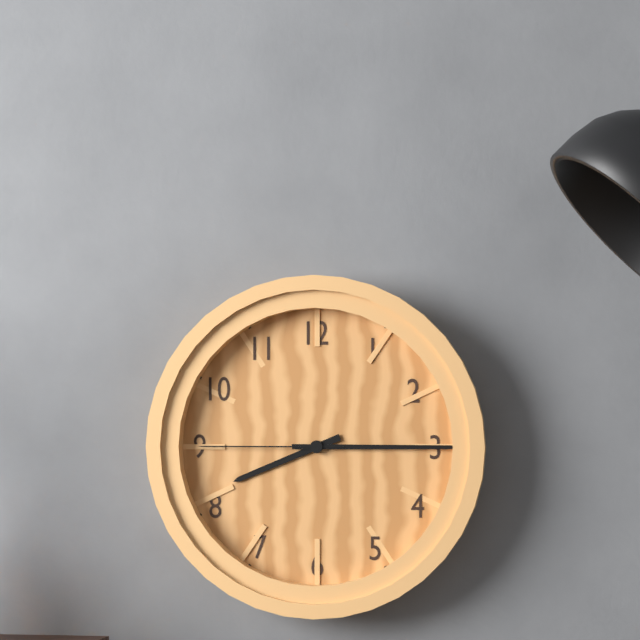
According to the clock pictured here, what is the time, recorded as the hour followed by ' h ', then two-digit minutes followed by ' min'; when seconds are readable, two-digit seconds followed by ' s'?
8 h 15 min 45 s
